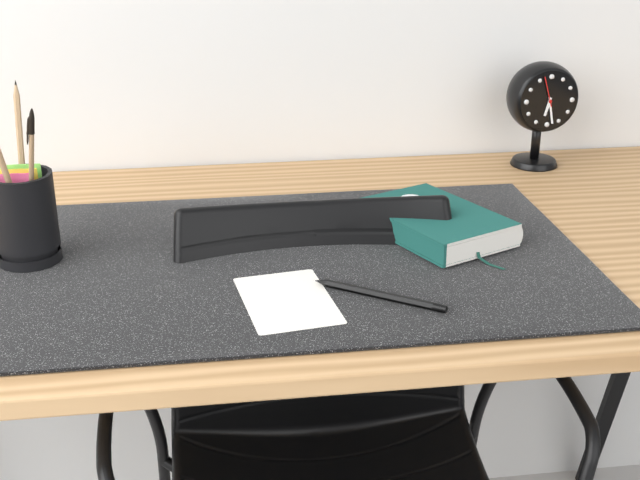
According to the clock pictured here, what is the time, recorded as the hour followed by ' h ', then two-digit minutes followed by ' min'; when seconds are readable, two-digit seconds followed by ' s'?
6 h 28 min
